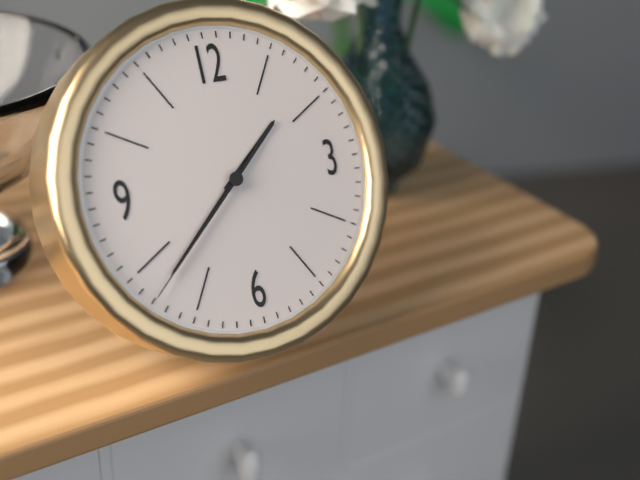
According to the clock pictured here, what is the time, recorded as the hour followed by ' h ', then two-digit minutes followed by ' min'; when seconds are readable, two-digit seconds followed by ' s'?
1 h 38 min 38 s
